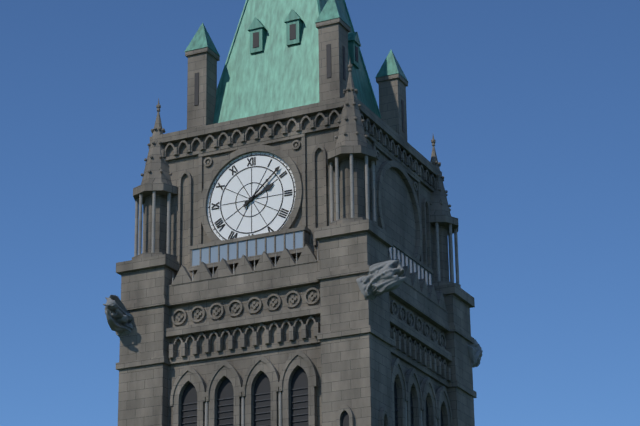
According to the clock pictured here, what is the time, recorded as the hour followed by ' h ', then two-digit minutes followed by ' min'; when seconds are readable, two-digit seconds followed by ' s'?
2 h 08 min
